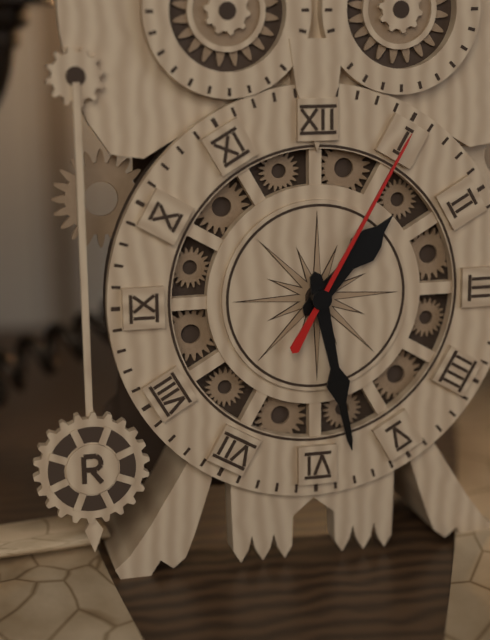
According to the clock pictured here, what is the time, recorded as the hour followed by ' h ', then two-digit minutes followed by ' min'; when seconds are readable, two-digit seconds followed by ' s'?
1 h 28 min 05 s
